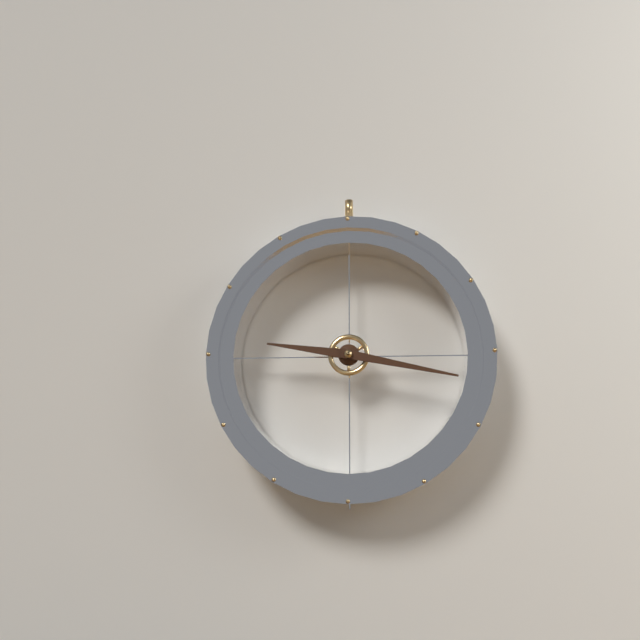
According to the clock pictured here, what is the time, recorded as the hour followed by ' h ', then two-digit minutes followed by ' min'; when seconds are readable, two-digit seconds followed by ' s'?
9 h 17 min
